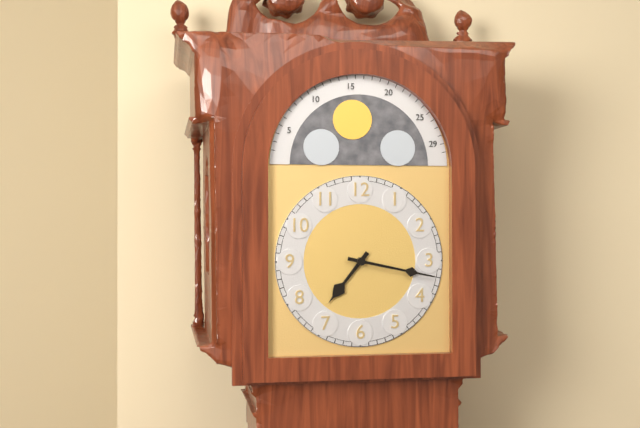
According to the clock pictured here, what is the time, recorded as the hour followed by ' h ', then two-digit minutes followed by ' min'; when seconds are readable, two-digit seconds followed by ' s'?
7 h 17 min
